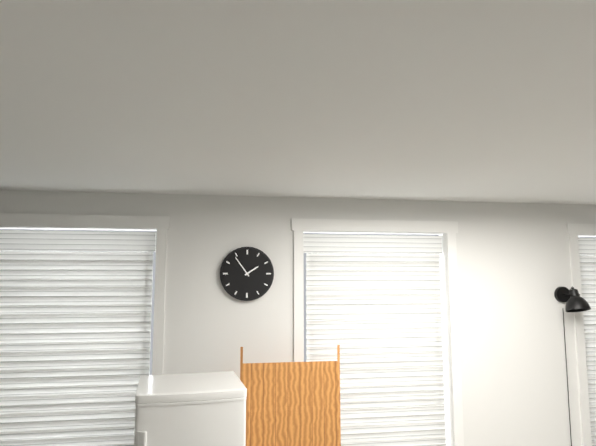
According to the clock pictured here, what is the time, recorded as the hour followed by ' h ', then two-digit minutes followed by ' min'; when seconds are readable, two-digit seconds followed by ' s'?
1 h 54 min
